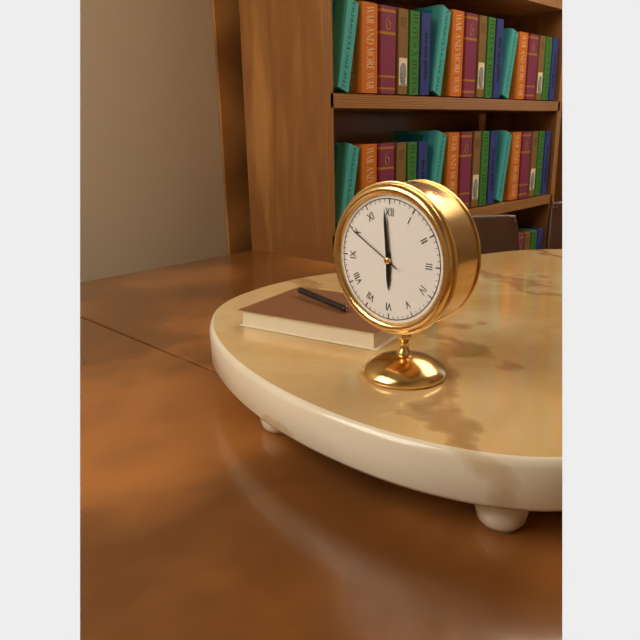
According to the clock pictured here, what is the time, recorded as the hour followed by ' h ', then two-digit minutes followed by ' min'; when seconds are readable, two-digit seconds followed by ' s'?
5 h 59 min 50 s
